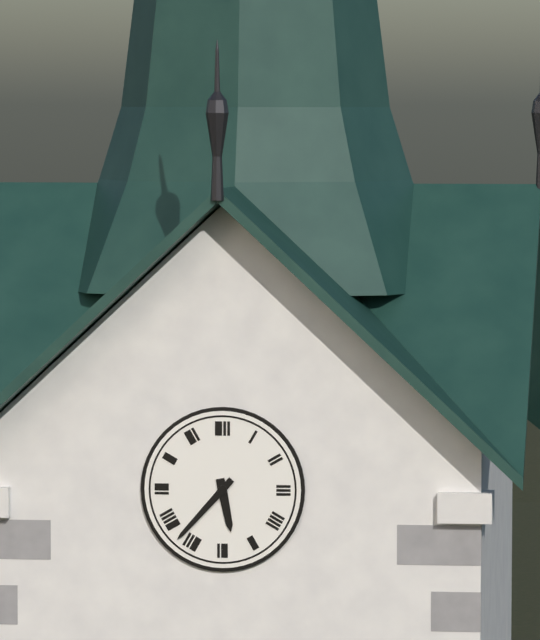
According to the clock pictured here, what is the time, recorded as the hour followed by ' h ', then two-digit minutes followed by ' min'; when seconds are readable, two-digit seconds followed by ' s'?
5 h 37 min
